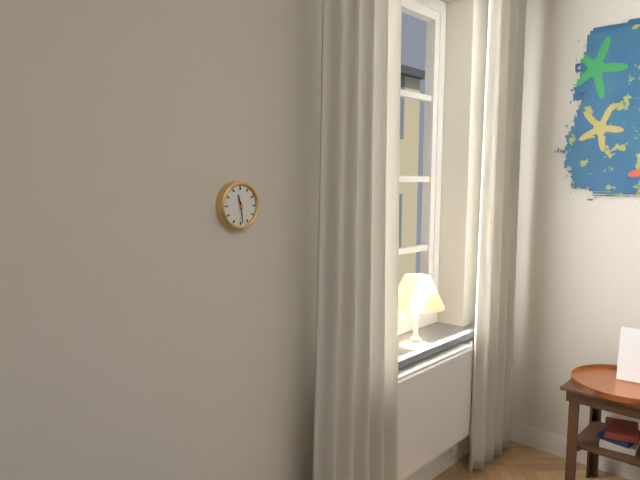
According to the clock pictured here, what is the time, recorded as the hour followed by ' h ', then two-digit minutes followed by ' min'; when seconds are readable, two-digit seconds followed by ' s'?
11 h 29 min
